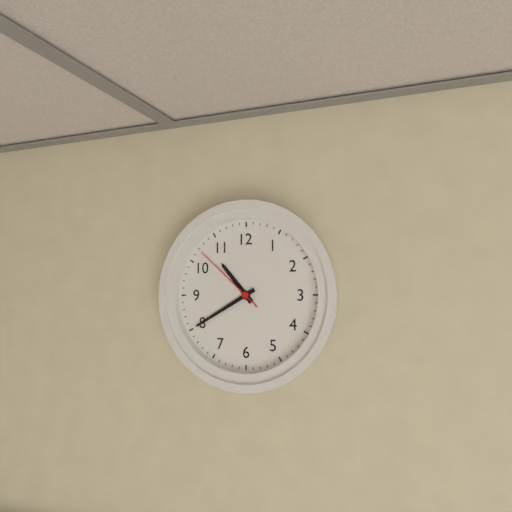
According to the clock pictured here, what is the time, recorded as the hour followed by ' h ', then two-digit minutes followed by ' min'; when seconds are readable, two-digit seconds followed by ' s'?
10 h 40 min 52 s
